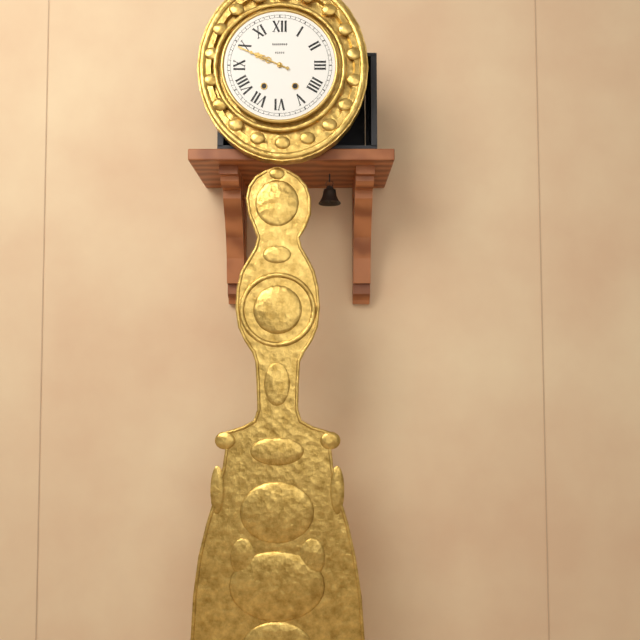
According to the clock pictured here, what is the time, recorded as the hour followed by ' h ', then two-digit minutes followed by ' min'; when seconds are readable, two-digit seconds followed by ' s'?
9 h 49 min
